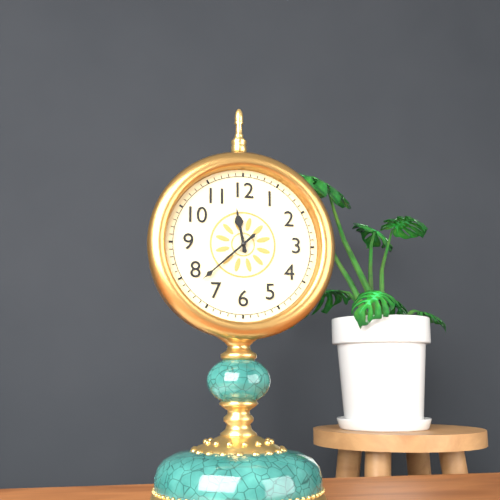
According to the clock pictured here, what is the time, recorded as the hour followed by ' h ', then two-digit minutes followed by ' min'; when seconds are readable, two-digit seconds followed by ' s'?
11 h 38 min
